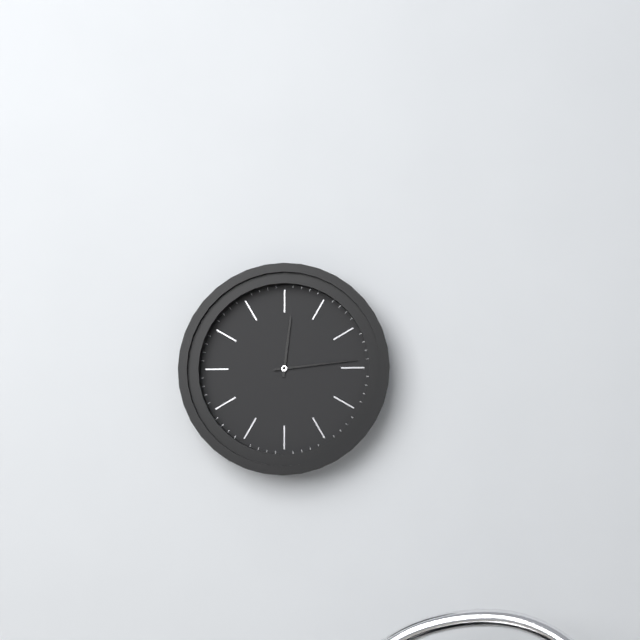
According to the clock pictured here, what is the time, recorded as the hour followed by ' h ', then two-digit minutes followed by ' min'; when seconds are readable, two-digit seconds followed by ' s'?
12 h 14 min
